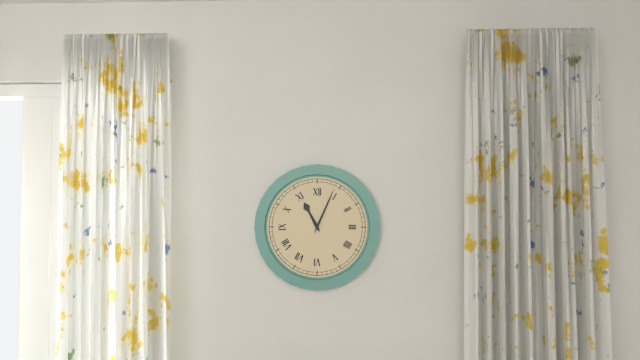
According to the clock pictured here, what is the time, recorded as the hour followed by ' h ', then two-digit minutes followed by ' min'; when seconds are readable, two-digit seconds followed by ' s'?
11 h 04 min
